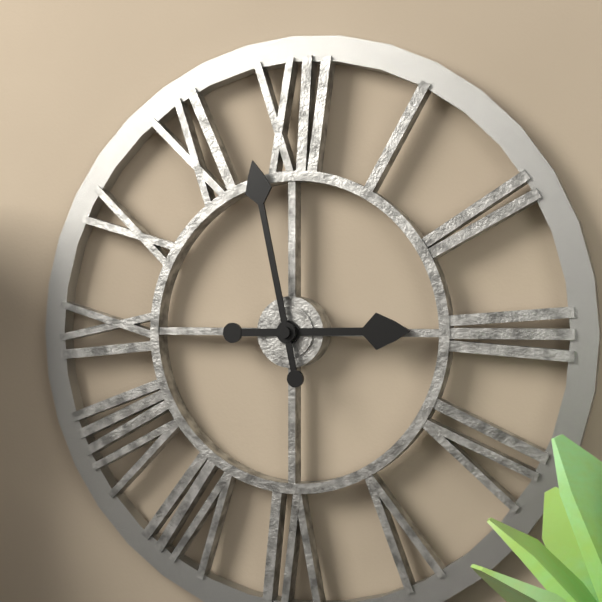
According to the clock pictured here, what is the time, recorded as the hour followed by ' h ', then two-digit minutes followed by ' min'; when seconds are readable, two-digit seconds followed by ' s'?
2 h 58 min
